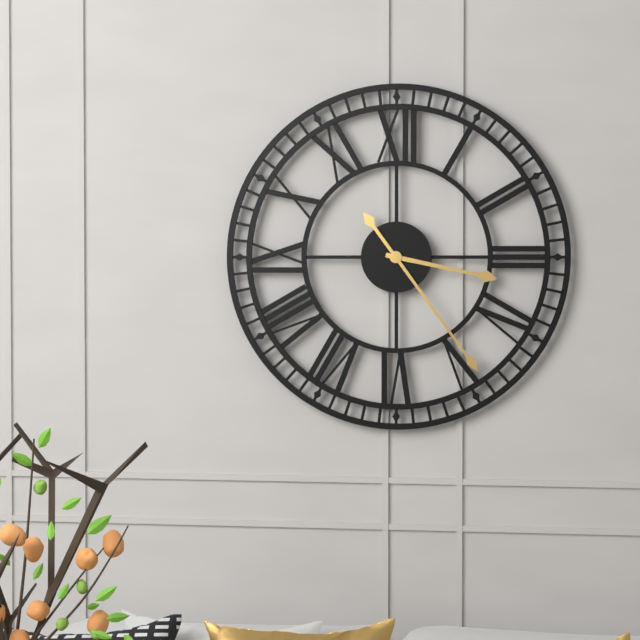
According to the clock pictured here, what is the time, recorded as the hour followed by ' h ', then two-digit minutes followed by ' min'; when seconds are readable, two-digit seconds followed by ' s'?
3 h 24 min
